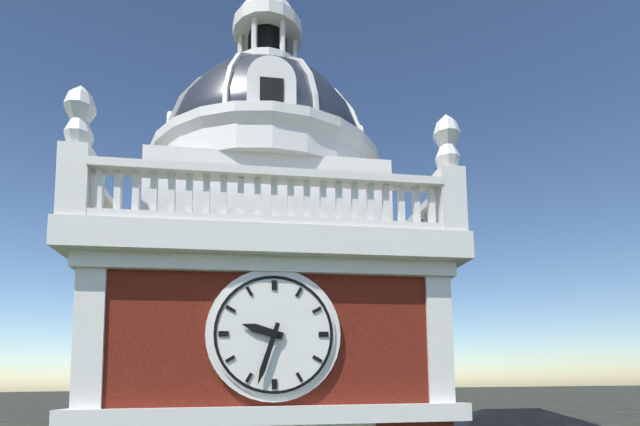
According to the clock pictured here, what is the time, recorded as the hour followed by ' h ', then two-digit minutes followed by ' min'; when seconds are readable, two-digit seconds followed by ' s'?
9 h 33 min
